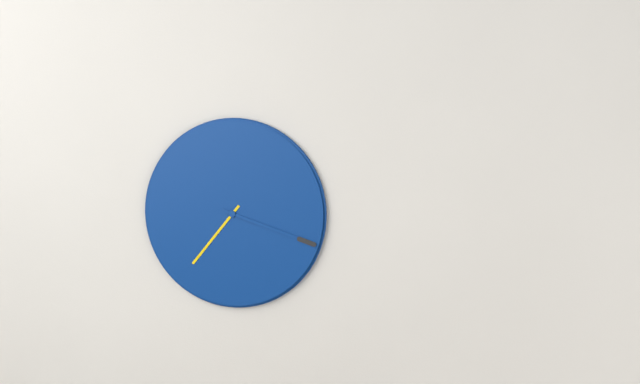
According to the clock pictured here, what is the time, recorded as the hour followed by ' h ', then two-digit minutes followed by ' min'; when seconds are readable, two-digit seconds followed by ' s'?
7 h 18 min
